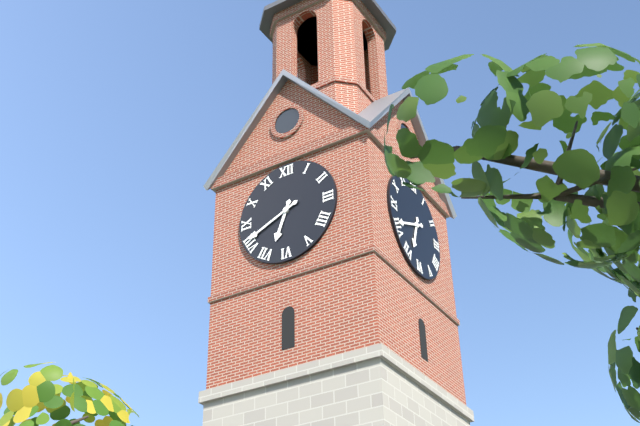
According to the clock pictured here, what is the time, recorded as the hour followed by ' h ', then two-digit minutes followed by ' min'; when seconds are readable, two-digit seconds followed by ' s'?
6 h 41 min
